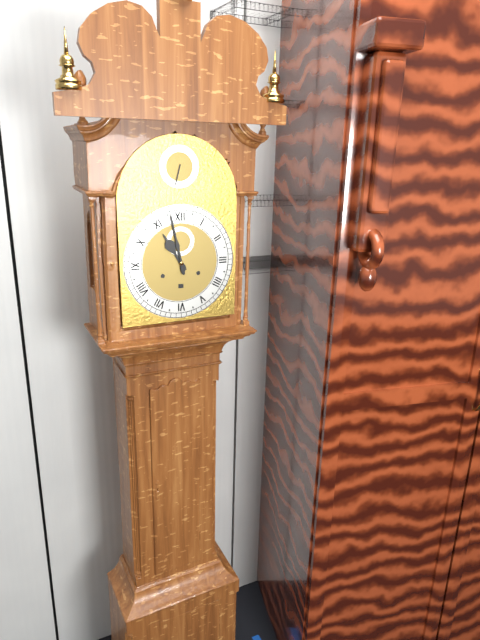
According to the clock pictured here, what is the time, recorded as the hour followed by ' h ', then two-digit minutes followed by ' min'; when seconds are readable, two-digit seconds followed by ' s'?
10 h 58 min
